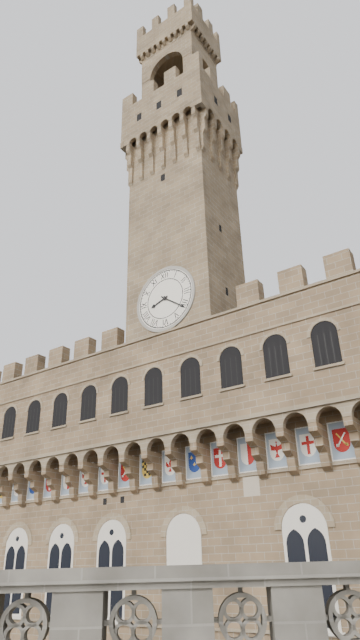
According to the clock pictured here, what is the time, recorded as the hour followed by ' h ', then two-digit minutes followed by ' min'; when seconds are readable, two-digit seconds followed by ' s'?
8 h 21 min
